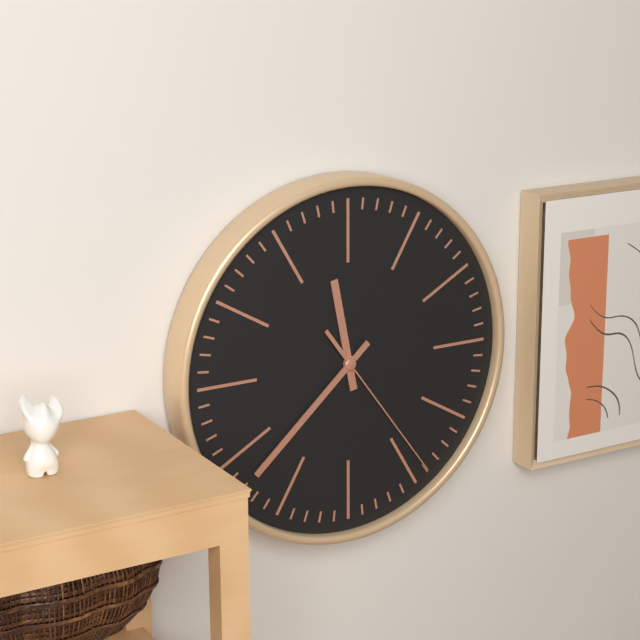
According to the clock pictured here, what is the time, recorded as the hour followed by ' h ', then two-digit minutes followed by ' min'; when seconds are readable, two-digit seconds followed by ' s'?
11 h 38 min 24 s
